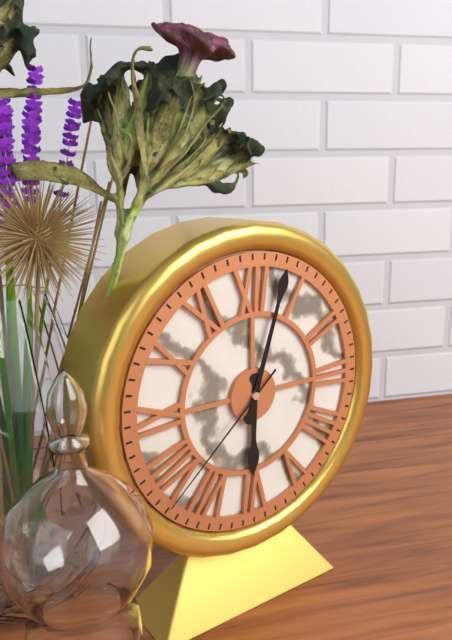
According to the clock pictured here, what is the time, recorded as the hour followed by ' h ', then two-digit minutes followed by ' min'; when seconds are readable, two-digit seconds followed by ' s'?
6 h 03 min 38 s
